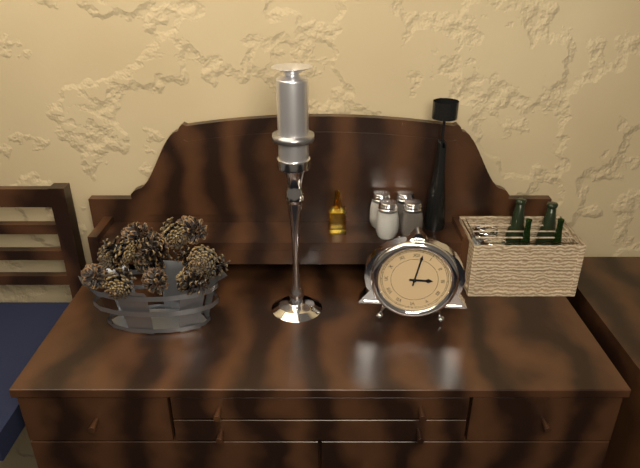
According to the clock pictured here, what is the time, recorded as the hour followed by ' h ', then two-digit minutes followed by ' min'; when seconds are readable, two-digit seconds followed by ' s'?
3 h 02 min
